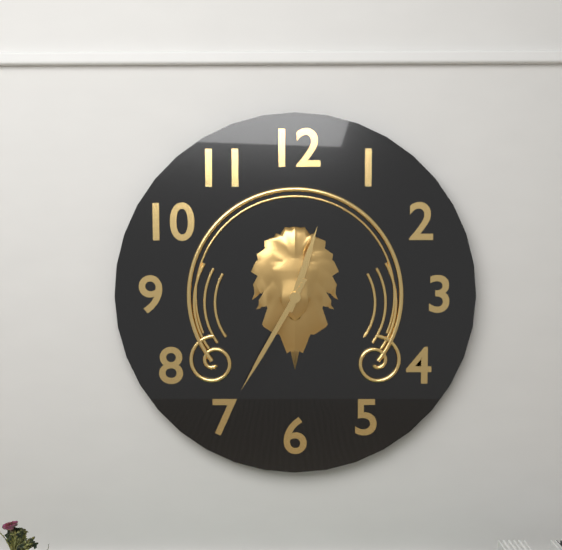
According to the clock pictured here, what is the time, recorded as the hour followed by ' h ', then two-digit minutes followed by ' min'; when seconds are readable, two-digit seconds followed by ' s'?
12 h 35 min
